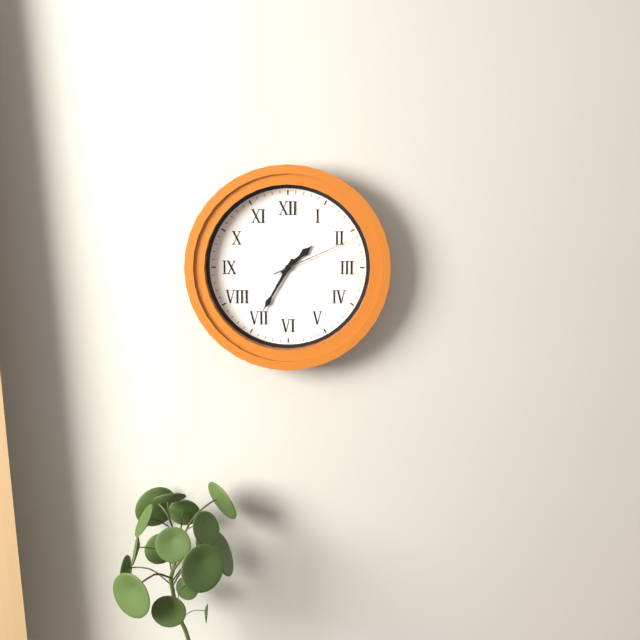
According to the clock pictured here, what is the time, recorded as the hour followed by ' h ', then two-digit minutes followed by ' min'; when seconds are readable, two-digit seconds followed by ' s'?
1 h 35 min 11 s
